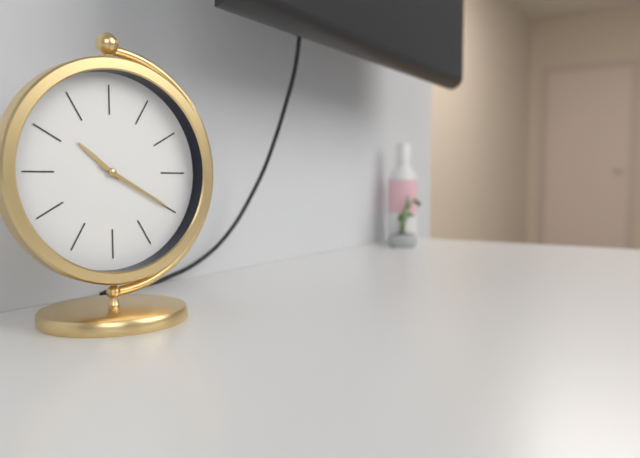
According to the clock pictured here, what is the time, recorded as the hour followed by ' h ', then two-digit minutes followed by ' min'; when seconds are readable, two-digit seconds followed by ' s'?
10 h 20 min
